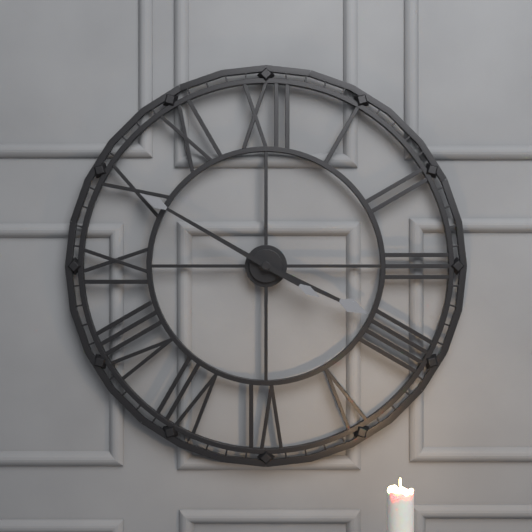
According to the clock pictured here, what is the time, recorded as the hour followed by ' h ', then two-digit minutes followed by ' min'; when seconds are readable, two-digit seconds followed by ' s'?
3 h 50 min
